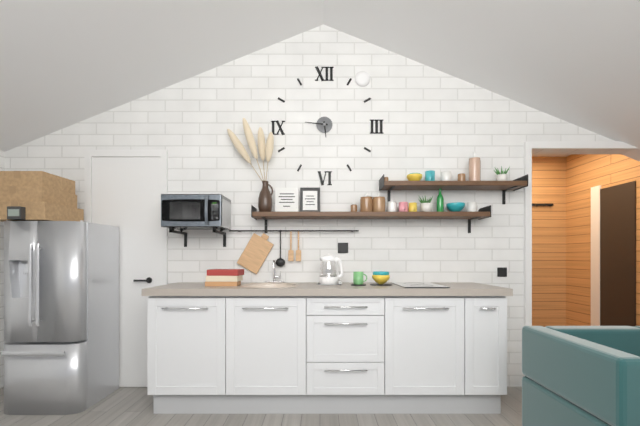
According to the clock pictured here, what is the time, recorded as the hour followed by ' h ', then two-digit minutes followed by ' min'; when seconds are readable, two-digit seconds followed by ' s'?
5 h 46 min
